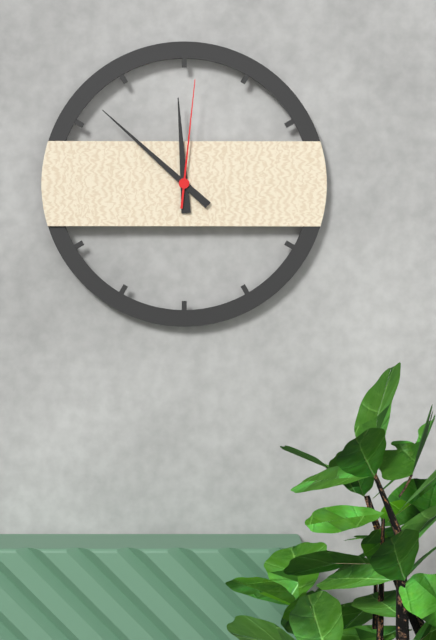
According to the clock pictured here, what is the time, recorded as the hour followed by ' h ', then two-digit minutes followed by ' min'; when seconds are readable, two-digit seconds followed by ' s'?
11 h 52 min 01 s
